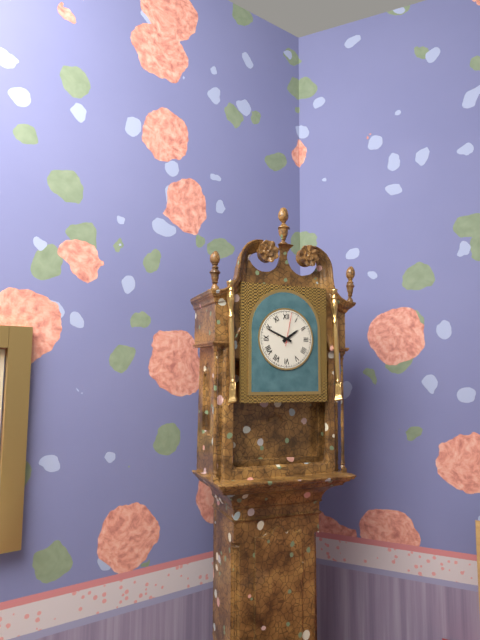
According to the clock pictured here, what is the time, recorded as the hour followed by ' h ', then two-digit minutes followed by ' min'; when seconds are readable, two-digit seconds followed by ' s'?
1 h 49 min
